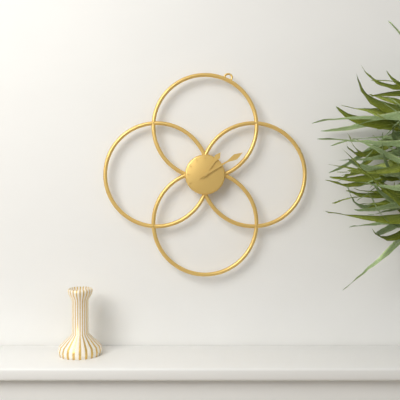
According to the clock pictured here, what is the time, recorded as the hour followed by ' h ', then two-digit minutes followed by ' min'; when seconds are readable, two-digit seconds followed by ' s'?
1 h 10 min
